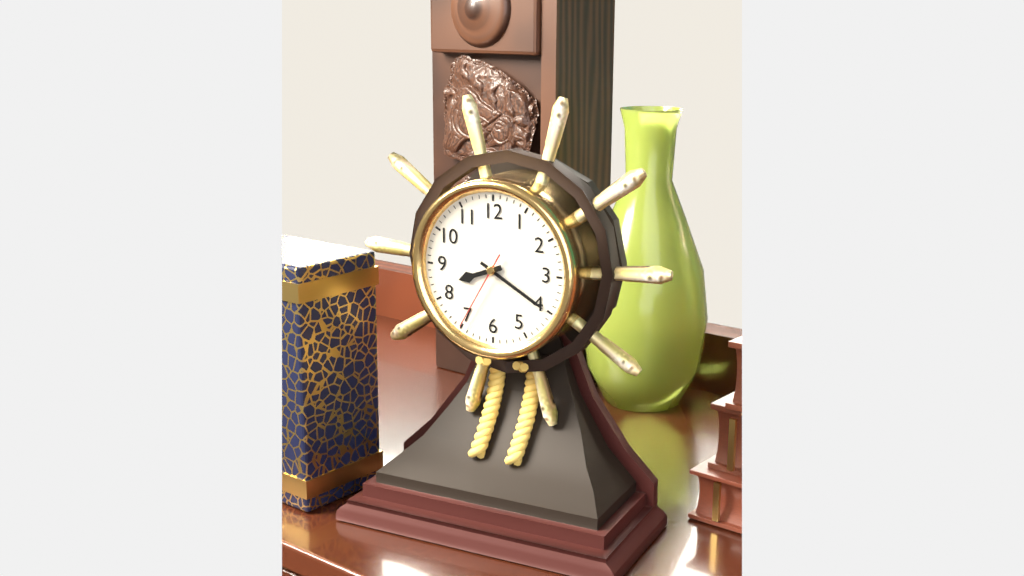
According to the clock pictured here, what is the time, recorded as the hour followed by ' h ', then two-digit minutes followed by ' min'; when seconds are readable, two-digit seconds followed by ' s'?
8 h 20 min 35 s
